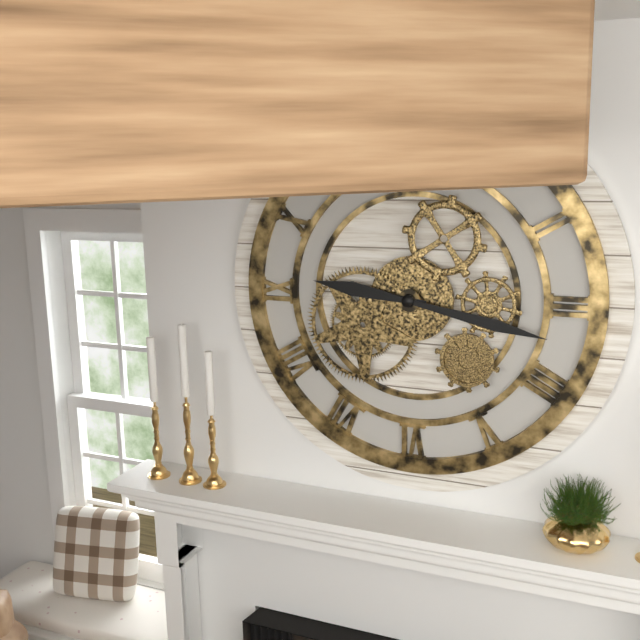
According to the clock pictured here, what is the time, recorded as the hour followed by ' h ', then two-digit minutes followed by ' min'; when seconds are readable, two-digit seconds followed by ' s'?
9 h 17 min
